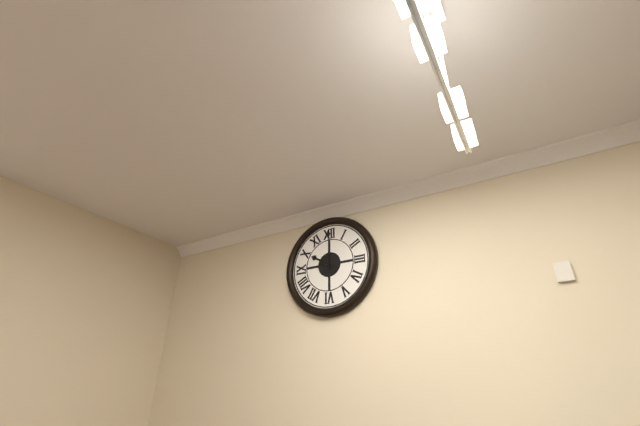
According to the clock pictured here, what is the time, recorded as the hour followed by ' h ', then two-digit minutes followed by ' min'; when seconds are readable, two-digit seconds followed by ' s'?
10 h 00 min
